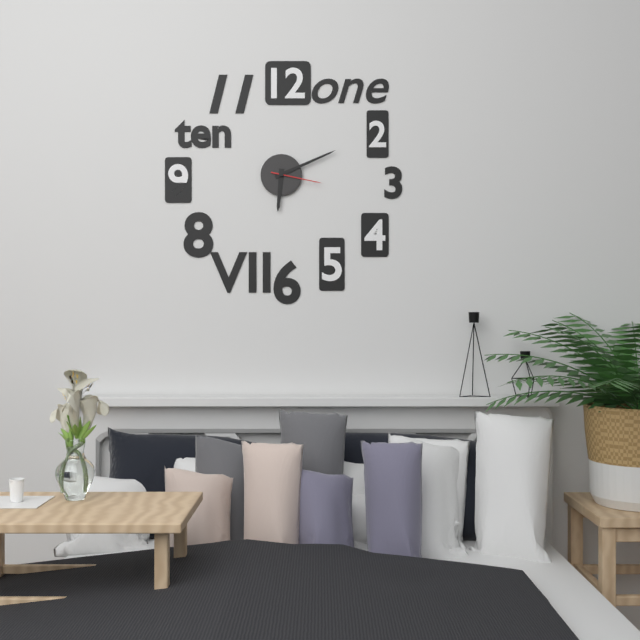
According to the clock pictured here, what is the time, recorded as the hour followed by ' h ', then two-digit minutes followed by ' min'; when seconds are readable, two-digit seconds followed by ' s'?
6 h 11 min 17 s
